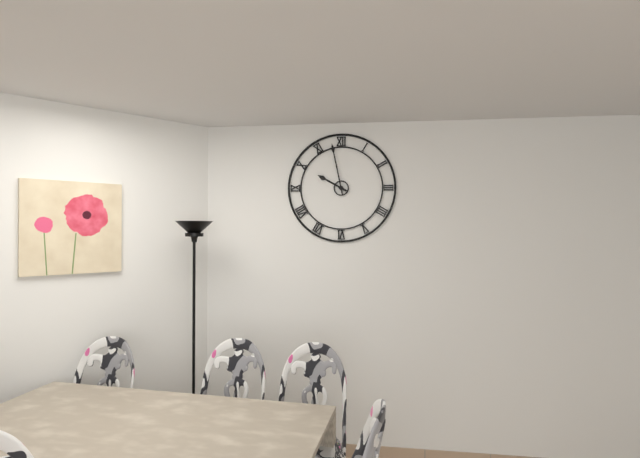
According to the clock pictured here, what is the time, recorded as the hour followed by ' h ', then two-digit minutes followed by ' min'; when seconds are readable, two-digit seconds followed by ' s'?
9 h 58 min
